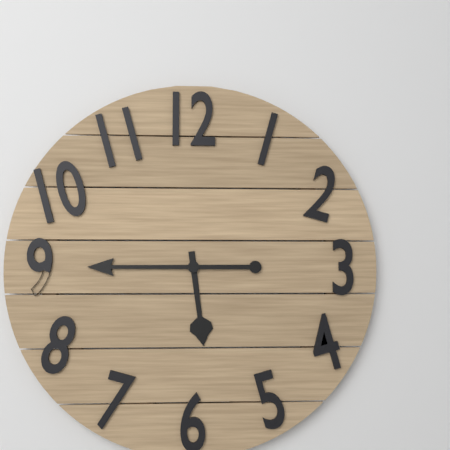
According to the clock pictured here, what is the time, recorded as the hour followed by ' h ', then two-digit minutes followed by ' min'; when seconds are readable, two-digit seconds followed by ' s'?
5 h 45 min
